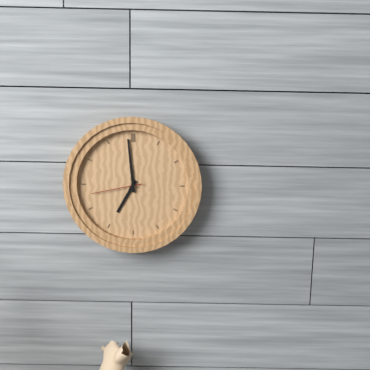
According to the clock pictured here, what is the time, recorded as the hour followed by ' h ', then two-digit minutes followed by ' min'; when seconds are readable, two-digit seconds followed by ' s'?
6 h 59 min 43 s
